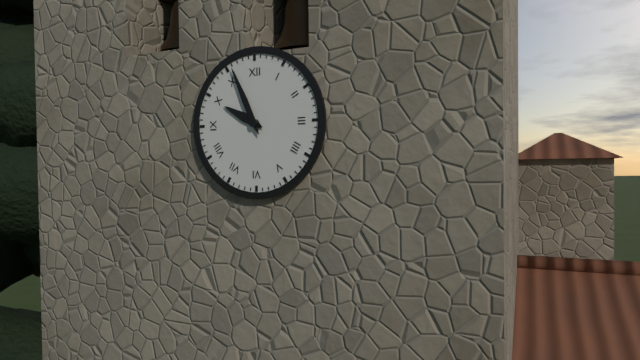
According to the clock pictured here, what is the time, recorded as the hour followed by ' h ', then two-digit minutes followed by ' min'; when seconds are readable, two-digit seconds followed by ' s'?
9 h 56 min
